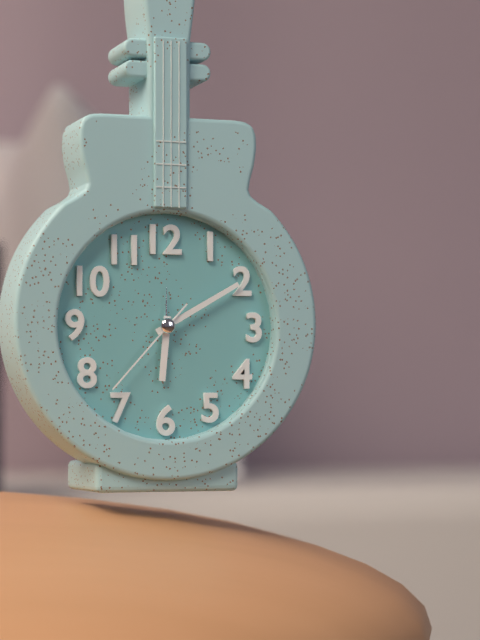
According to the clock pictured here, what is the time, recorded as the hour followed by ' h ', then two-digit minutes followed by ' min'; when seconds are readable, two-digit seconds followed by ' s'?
6 h 10 min 37 s
